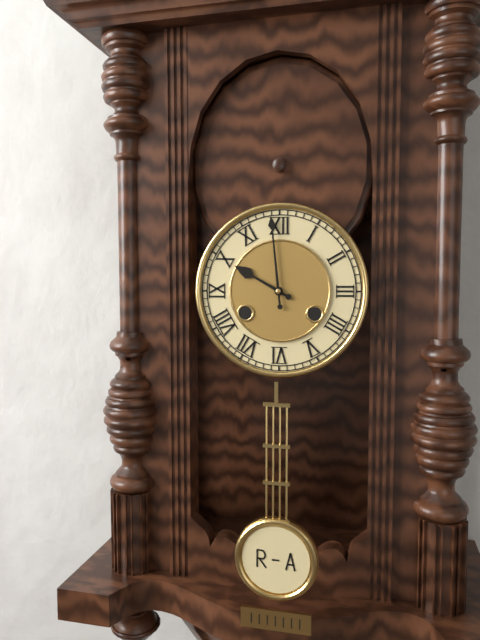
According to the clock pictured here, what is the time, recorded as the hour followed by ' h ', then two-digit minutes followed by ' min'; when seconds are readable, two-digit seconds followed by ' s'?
9 h 59 min
